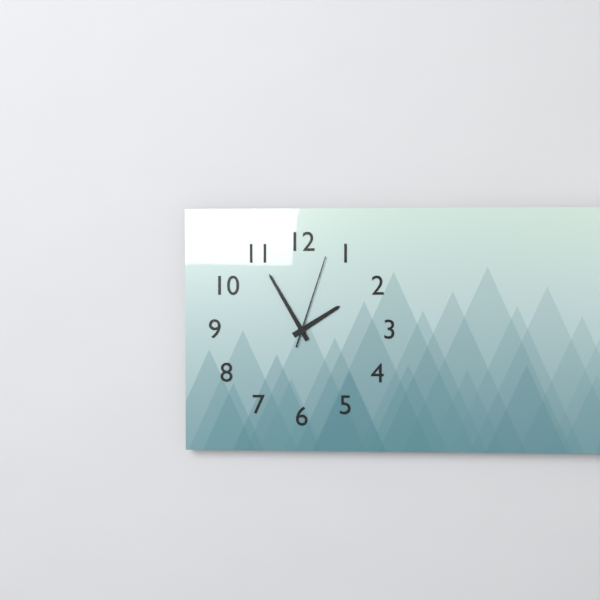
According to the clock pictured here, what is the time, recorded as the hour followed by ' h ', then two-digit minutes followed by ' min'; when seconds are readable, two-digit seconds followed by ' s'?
1 h 55 min 03 s
